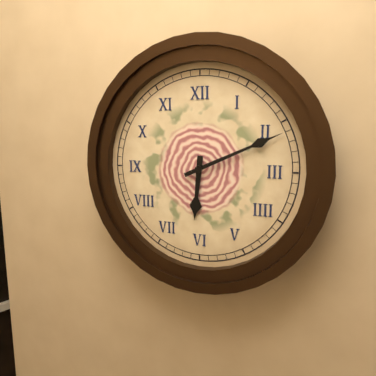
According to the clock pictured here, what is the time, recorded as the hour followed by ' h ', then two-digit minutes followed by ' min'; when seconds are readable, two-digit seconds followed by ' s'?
6 h 11 min
